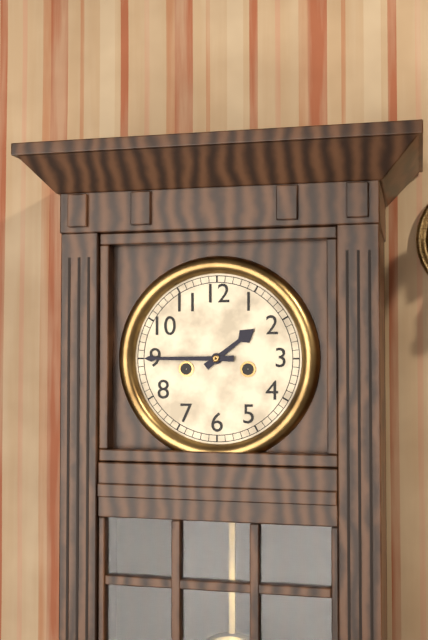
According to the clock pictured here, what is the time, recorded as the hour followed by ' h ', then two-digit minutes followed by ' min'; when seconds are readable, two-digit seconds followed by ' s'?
1 h 45 min
